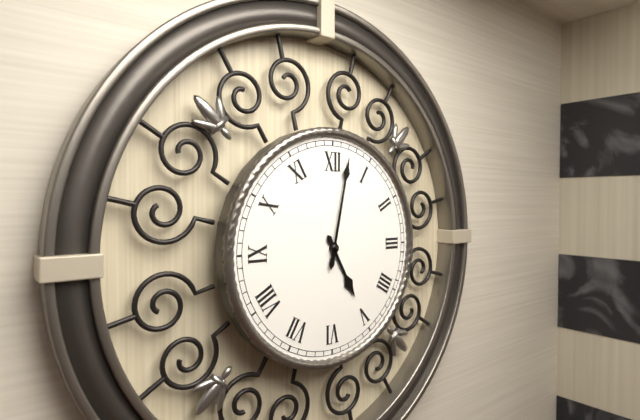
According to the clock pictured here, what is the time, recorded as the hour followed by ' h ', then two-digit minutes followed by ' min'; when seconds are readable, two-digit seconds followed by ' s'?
5 h 02 min
